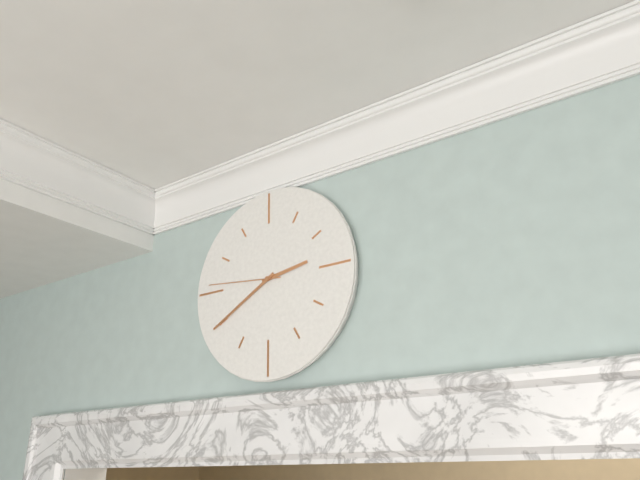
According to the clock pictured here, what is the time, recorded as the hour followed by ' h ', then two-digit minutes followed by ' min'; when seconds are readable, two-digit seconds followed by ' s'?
2 h 40 min 46 s
